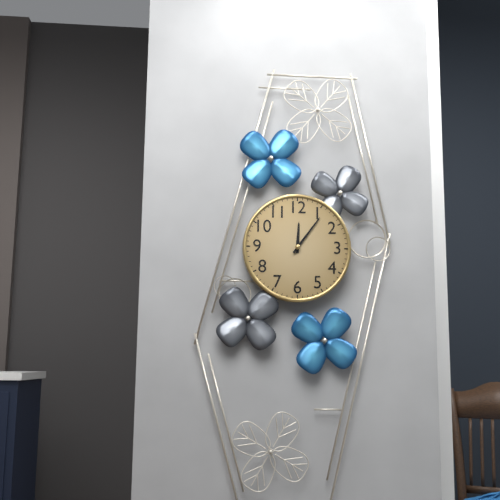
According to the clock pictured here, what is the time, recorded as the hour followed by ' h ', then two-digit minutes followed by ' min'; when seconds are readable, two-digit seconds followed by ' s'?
12 h 06 min
